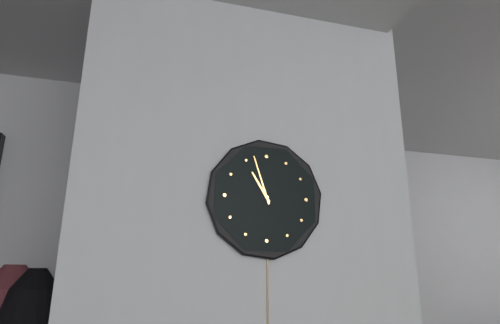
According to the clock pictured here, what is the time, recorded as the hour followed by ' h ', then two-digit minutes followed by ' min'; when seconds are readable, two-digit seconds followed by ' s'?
10 h 57 min
